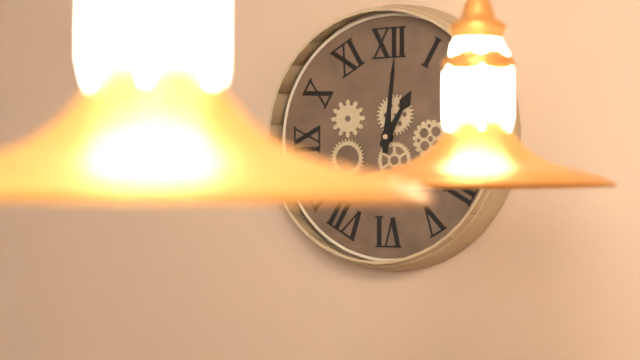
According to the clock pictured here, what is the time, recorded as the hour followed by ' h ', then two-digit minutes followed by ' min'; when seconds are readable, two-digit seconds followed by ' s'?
1 h 01 min
